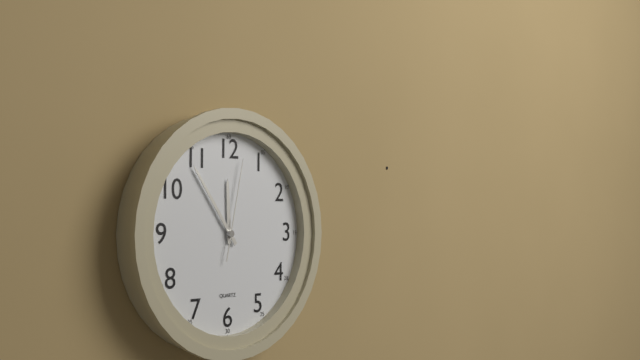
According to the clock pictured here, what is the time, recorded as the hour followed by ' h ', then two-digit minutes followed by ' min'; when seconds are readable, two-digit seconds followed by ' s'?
11 h 54 min 02 s
